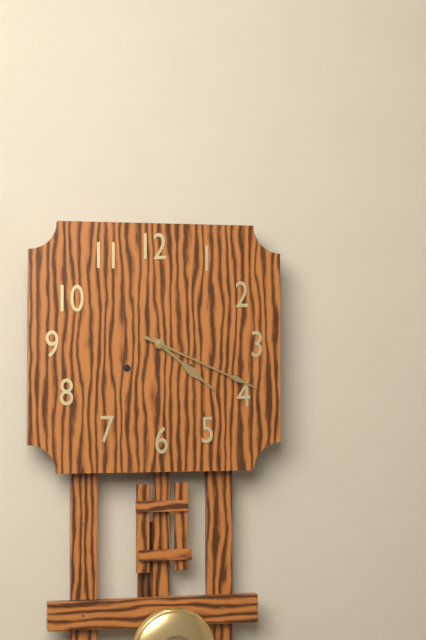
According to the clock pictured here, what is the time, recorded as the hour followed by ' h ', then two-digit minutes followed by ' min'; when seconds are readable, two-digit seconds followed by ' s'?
4 h 19 min
